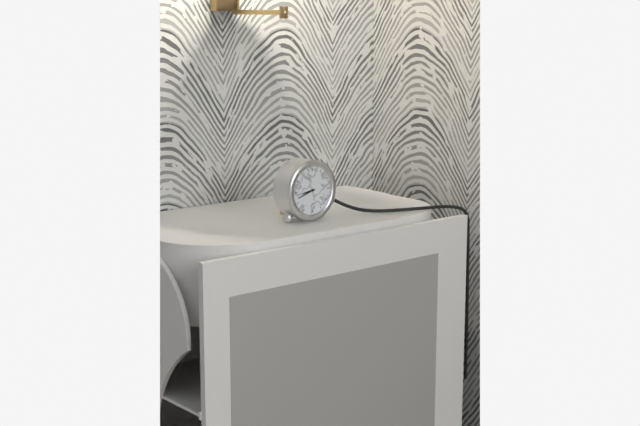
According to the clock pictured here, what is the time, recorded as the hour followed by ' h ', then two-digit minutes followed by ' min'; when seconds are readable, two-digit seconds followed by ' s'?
8 h 42 min
